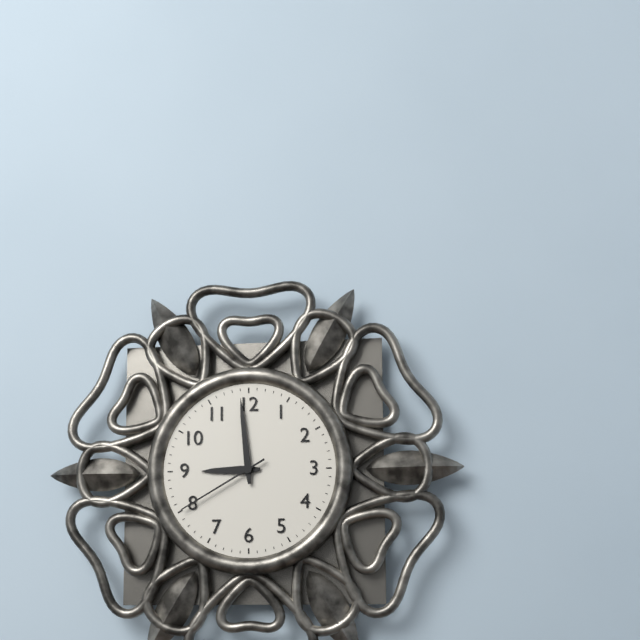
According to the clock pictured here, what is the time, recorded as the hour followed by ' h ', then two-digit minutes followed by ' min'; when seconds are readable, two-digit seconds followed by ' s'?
8 h 59 min 40 s
